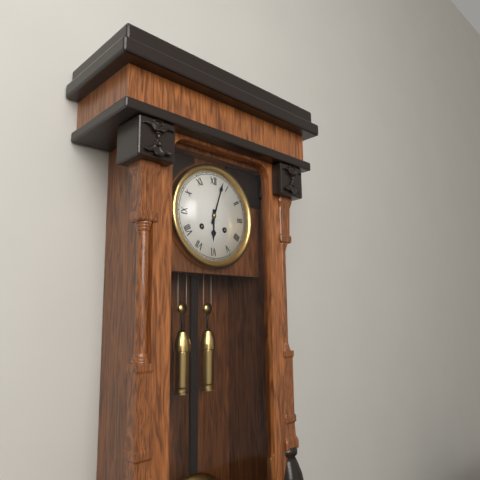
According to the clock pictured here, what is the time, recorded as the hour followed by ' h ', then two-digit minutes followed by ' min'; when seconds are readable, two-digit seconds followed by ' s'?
6 h 03 min
